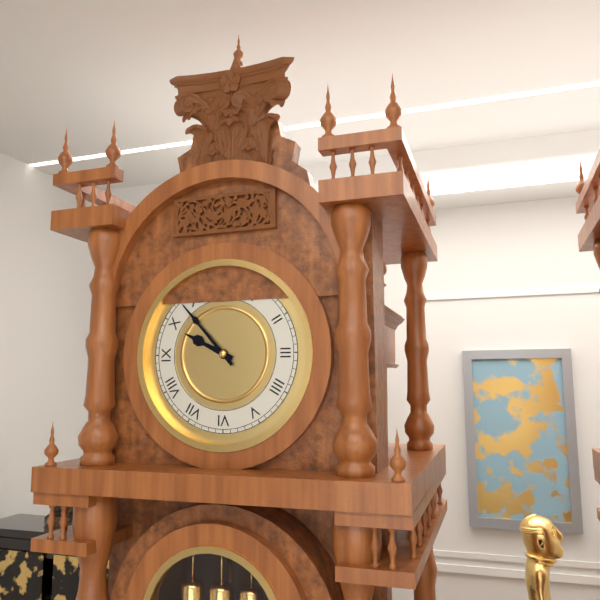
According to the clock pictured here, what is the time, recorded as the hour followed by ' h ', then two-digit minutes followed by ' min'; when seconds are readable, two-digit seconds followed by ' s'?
9 h 53 min
